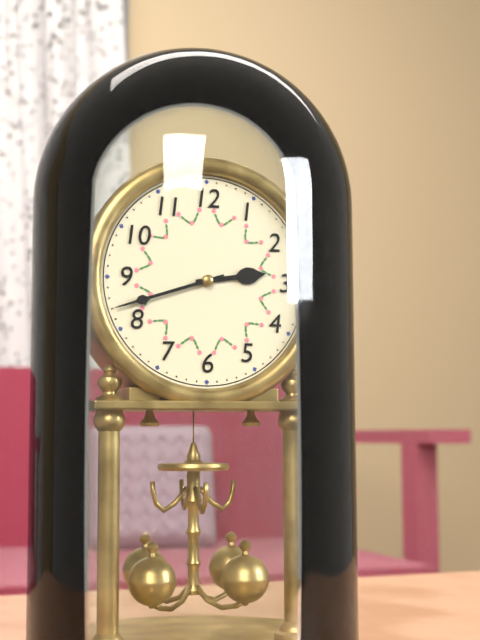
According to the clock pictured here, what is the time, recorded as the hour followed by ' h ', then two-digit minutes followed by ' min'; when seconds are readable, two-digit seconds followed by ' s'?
2 h 42 min
